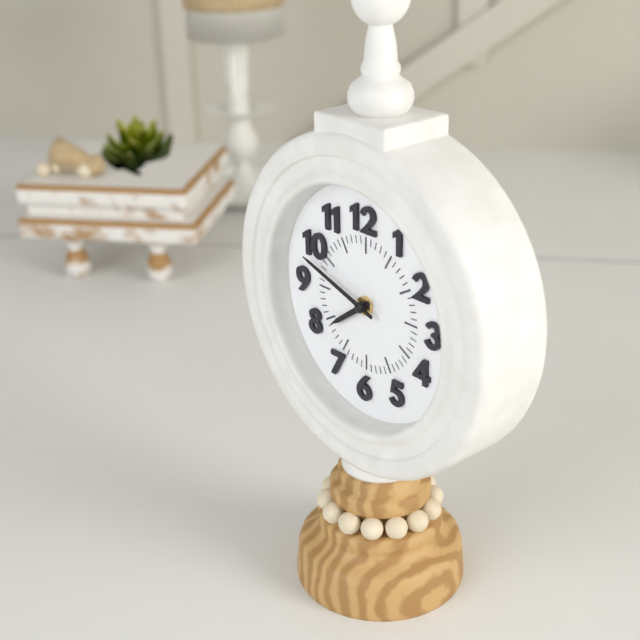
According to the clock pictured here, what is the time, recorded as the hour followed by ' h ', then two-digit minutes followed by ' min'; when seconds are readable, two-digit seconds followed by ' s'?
7 h 48 min
